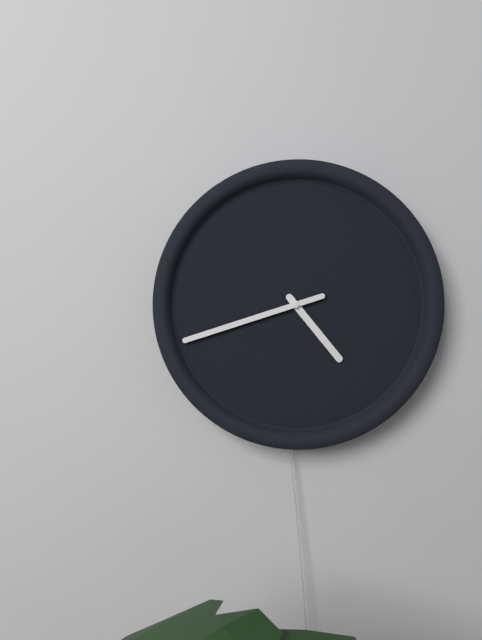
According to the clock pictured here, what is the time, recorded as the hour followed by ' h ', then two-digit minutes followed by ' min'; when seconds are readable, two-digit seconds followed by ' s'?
4 h 42 min
